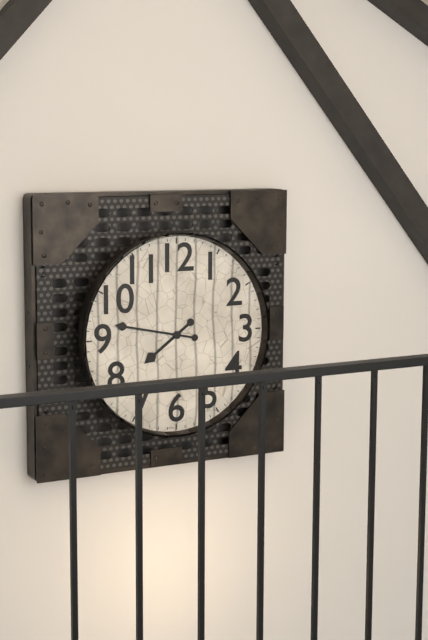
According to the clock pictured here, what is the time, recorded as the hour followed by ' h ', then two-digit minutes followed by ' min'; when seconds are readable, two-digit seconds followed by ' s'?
7 h 47 min
